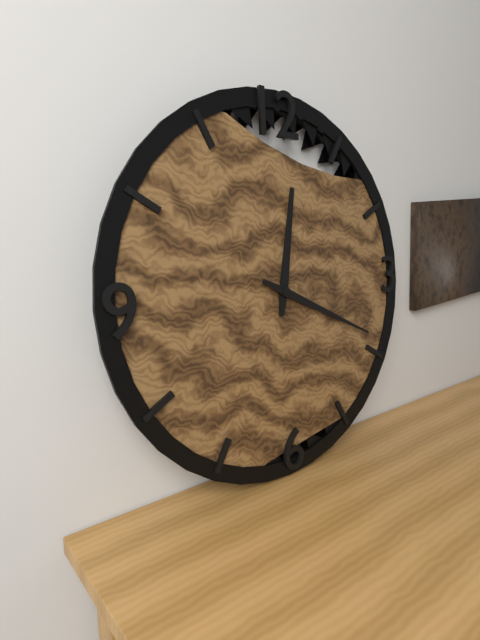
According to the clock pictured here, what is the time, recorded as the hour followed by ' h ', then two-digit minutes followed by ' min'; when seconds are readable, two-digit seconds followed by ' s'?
12 h 19 min
